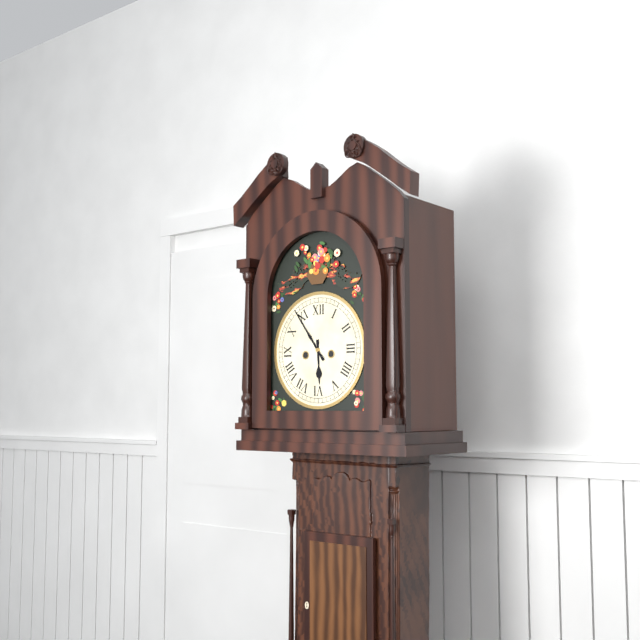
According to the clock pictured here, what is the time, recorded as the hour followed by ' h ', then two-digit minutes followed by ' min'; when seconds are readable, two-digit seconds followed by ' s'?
5 h 54 min
